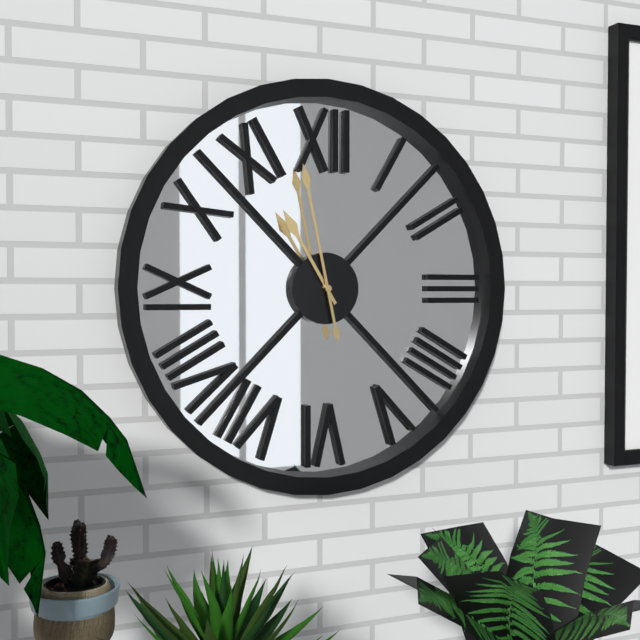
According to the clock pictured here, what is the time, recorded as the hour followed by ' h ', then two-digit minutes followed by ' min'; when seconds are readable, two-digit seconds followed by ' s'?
10 h 58 min
